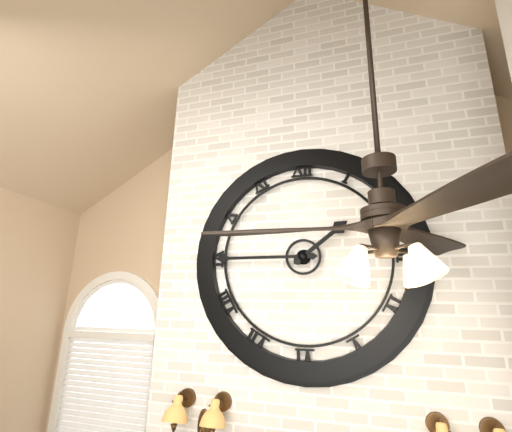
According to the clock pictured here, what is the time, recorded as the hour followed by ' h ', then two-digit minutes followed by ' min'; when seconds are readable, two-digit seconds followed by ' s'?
1 h 45 min
